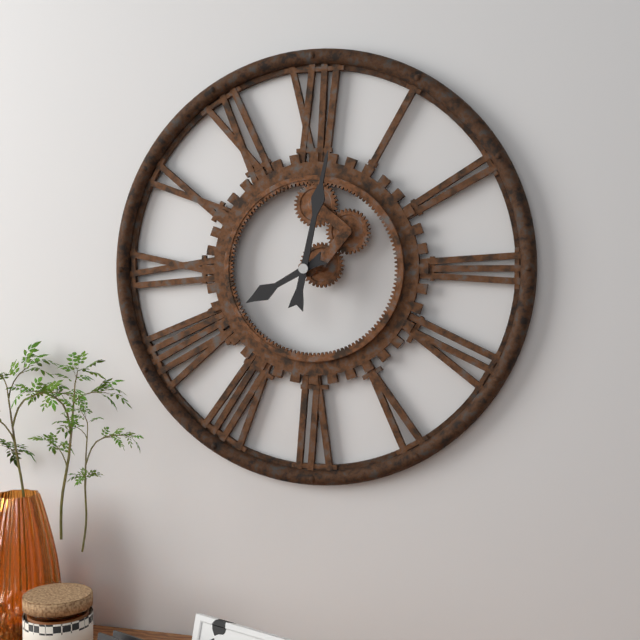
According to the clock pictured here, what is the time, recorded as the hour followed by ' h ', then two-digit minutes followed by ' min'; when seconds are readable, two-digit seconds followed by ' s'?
8 h 02 min
